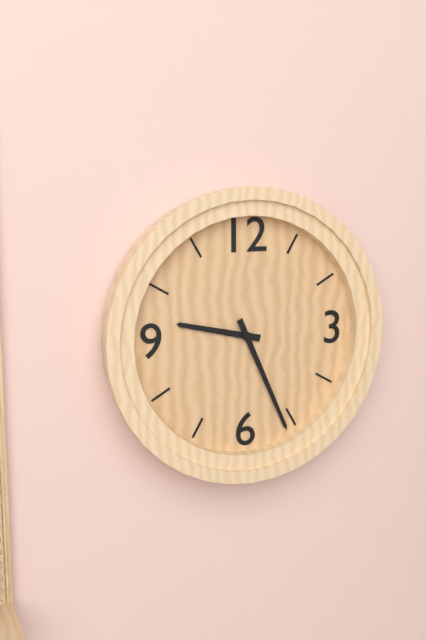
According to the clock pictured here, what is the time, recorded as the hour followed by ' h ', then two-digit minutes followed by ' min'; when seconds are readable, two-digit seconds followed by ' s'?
9 h 26 min
